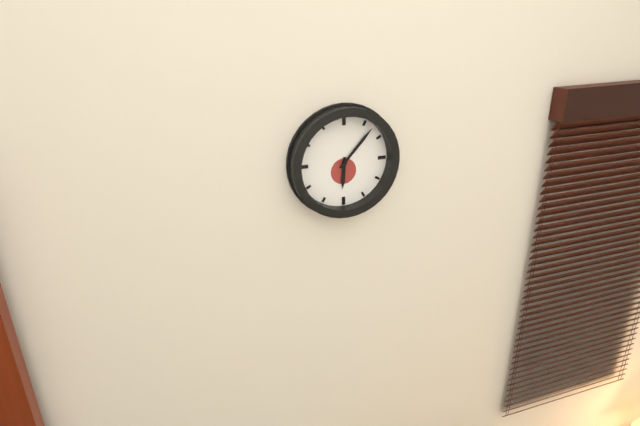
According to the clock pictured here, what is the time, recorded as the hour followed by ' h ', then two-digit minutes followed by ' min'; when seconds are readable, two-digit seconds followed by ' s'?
6 h 07 min
